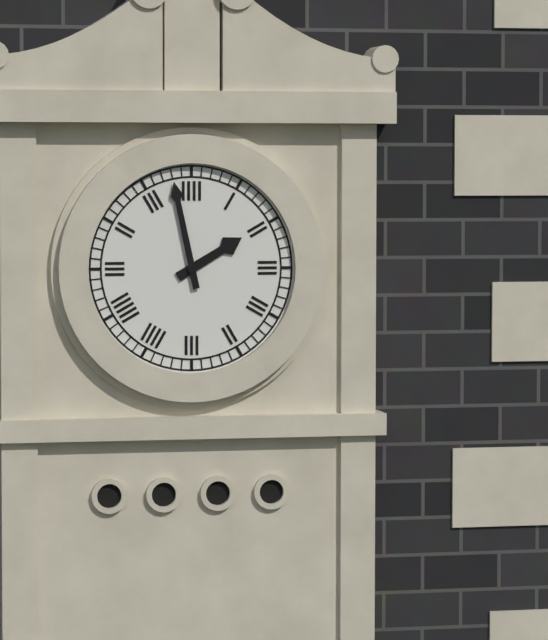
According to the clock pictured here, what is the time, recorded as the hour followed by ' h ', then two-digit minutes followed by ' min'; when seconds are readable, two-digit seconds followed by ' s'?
1 h 58 min
